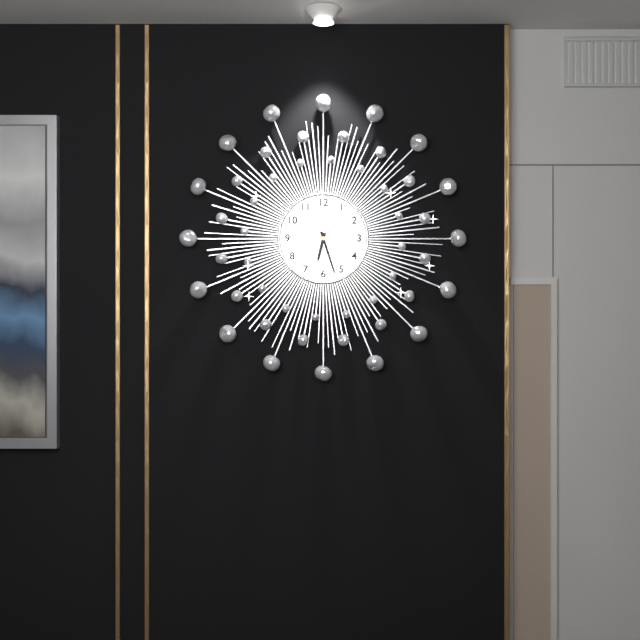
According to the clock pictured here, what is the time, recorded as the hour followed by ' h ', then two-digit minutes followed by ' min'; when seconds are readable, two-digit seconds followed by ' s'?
6 h 27 min
